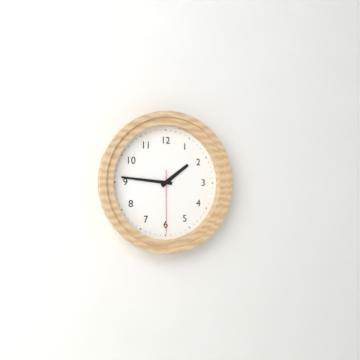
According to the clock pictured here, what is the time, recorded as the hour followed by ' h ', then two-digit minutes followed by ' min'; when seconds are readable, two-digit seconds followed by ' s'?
1 h 46 min 30 s
